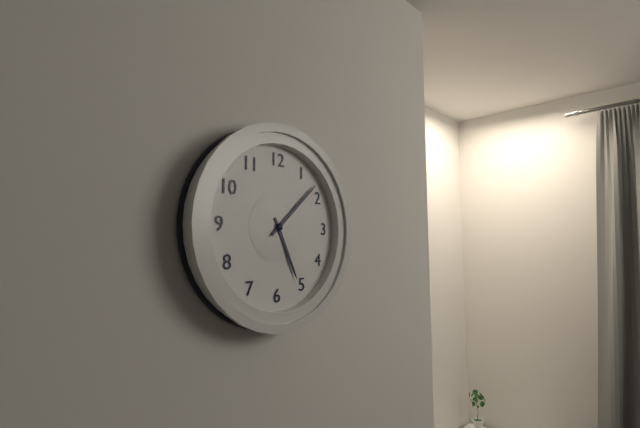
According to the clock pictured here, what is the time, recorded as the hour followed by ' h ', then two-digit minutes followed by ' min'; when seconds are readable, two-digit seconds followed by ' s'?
5 h 08 min
